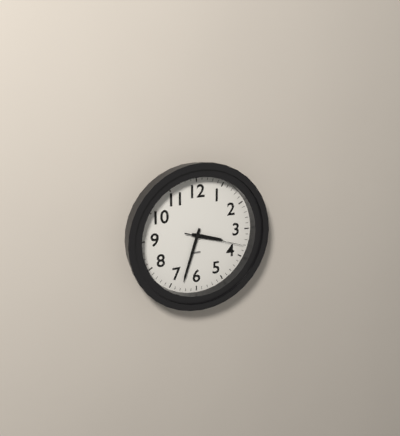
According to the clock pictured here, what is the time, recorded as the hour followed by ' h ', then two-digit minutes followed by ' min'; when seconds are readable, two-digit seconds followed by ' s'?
3 h 33 min 18 s
